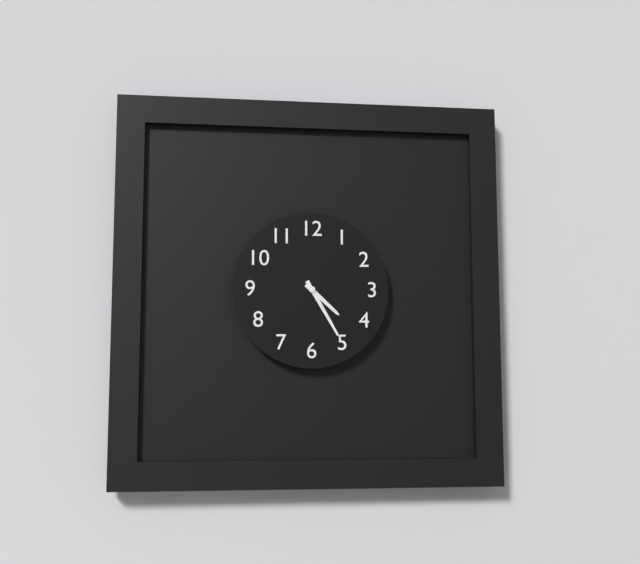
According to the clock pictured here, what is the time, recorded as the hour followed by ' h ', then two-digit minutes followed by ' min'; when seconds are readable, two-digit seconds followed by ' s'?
4 h 25 min
